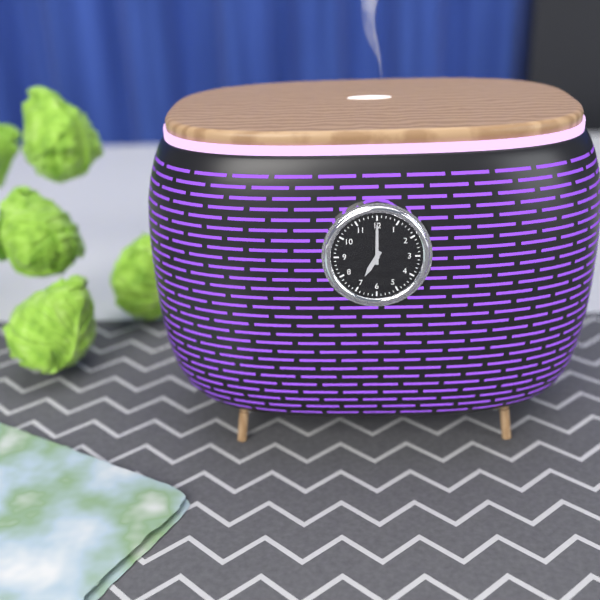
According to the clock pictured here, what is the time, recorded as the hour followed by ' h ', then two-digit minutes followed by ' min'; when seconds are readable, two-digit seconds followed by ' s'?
7 h 00 min
